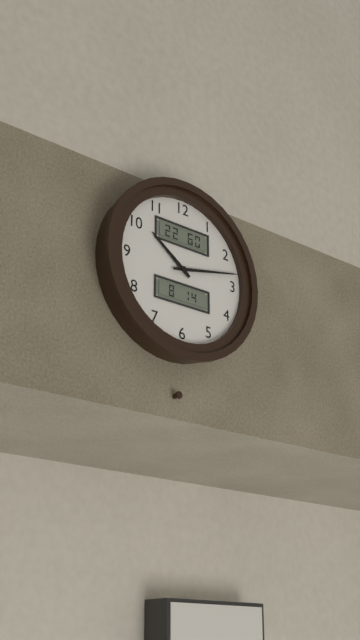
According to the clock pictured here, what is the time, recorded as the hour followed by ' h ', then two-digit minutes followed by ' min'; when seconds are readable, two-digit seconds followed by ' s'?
10 h 13 min
